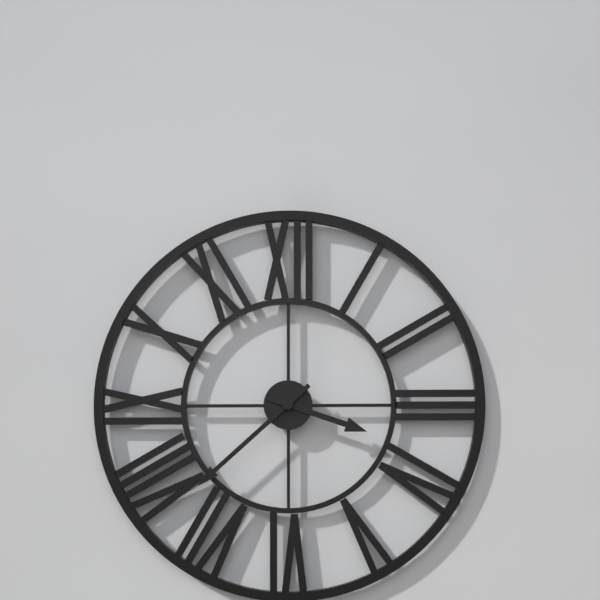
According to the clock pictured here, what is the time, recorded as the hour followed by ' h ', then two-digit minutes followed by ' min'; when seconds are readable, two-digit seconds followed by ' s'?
3 h 38 min
